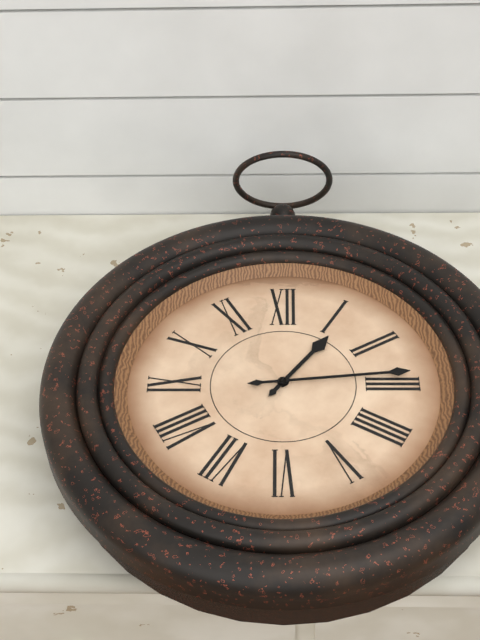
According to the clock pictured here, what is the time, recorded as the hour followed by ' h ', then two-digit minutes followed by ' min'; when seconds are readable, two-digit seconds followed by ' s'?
1 h 14 min
